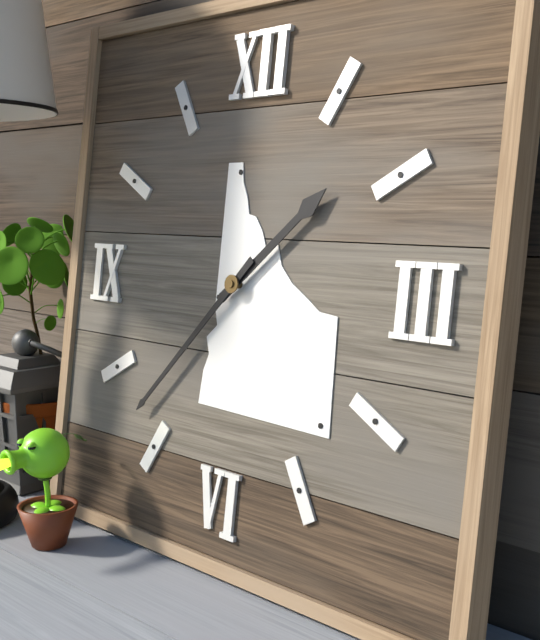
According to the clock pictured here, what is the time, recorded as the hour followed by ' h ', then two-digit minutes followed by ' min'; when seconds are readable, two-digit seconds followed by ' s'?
1 h 37 min
